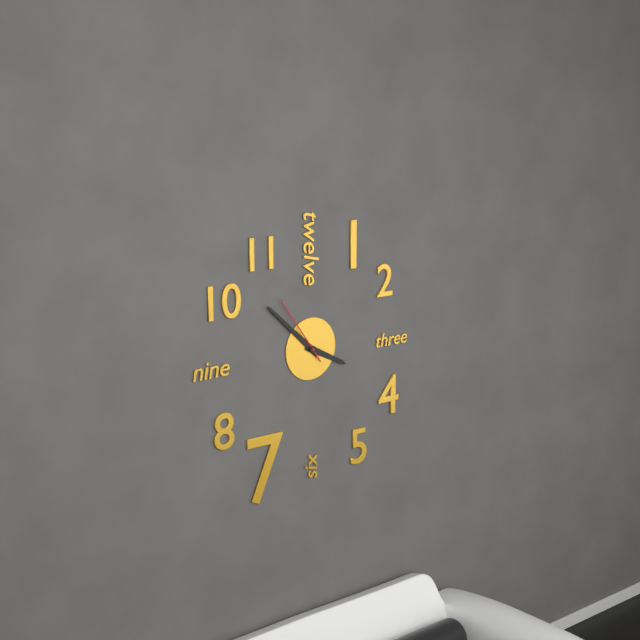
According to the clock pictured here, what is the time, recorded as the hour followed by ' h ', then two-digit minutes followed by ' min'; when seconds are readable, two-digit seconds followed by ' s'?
3 h 52 min 54 s
